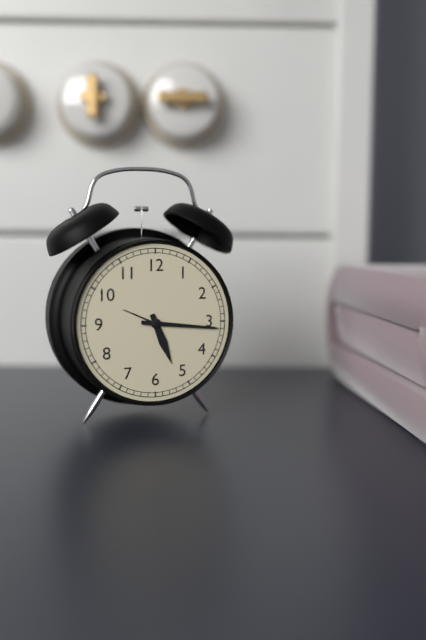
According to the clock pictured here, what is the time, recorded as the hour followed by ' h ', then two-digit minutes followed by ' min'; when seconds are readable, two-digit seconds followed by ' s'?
5 h 16 min
